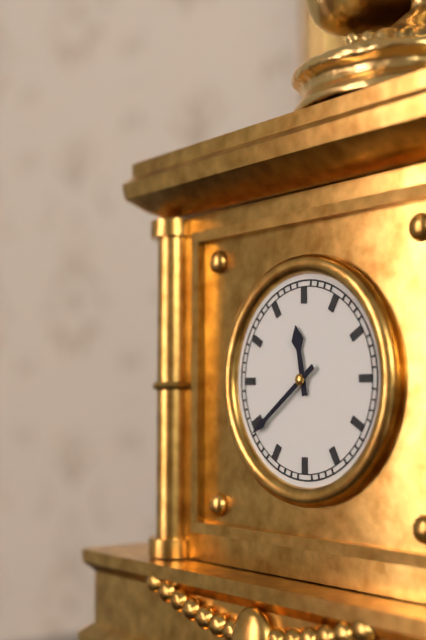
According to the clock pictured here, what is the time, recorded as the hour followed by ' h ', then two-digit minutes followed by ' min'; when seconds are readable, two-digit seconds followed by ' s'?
11 h 39 min
